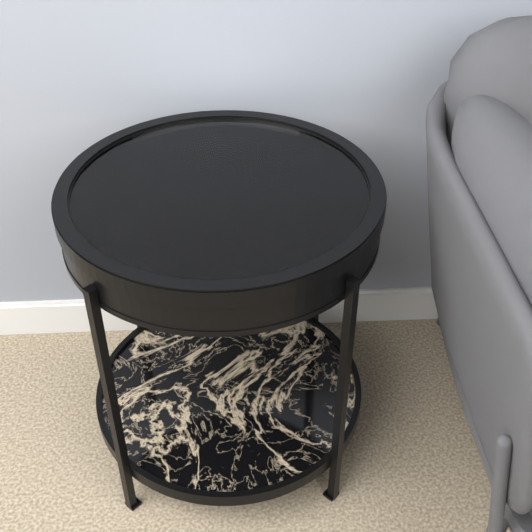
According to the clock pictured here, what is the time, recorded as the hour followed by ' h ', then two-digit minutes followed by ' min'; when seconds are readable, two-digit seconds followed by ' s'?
2 h 51 min
